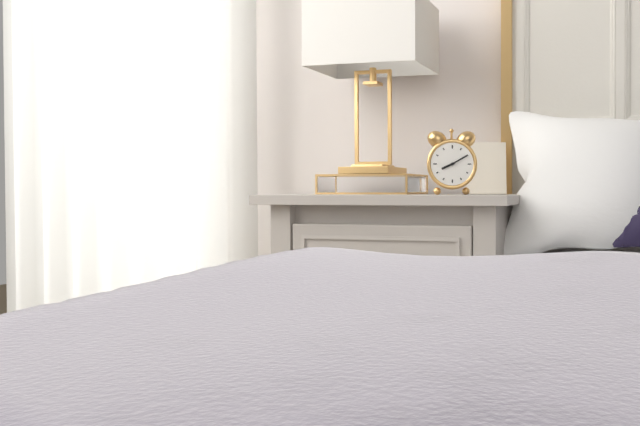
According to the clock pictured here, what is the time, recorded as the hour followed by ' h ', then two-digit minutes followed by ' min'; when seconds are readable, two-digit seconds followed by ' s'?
8 h 10 min
